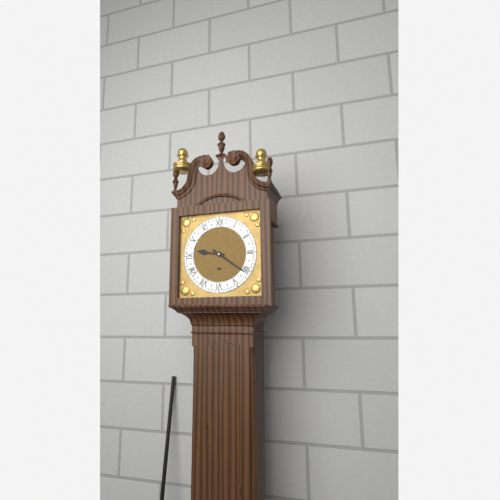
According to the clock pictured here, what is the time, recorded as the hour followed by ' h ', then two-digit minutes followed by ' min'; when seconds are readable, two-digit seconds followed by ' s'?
9 h 21 min
